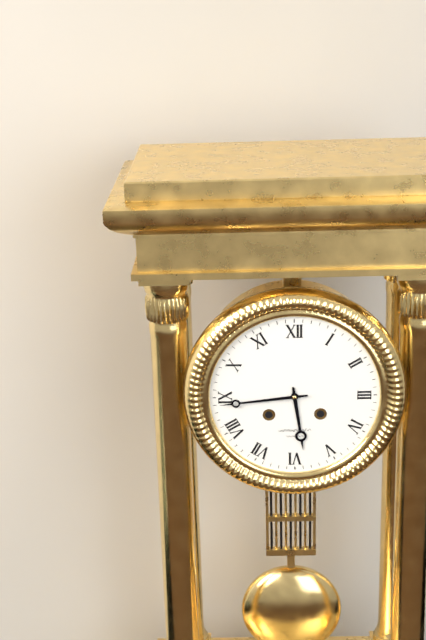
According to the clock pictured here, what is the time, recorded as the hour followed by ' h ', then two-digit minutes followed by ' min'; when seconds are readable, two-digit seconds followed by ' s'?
5 h 44 min
